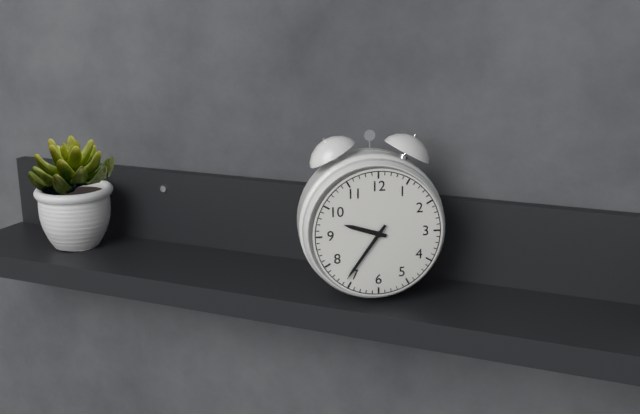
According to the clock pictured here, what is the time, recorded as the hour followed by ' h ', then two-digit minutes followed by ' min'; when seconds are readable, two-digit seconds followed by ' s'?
9 h 36 min
